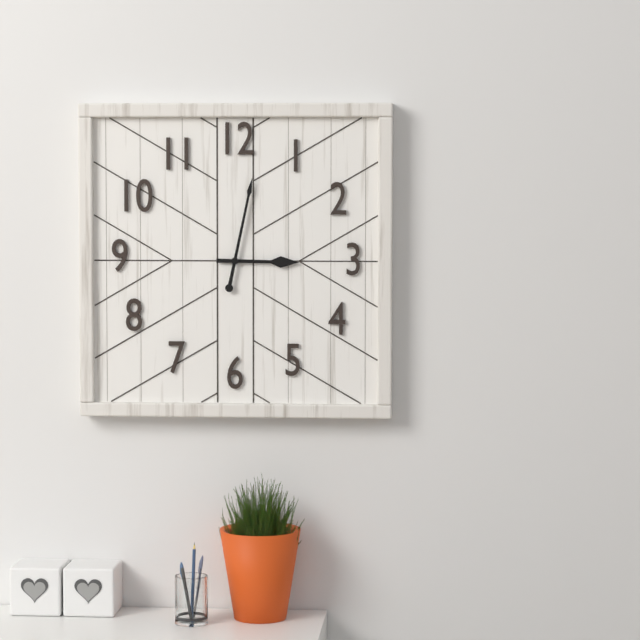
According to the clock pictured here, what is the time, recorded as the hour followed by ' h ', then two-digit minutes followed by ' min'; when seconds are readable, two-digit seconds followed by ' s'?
3 h 02 min
